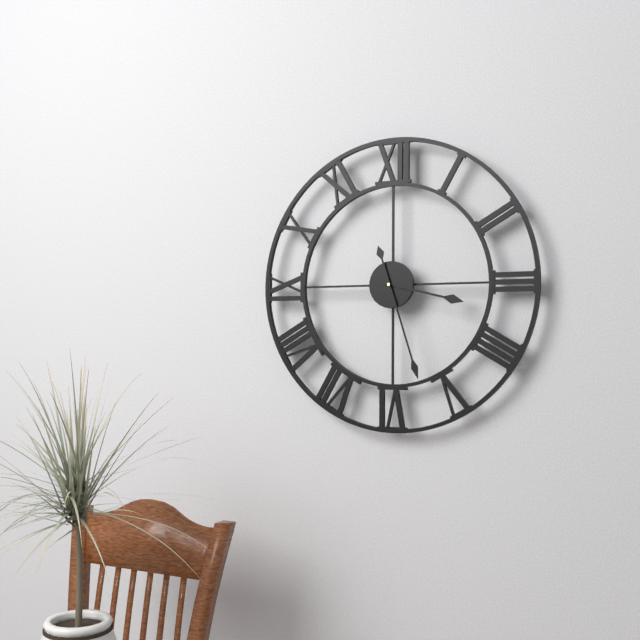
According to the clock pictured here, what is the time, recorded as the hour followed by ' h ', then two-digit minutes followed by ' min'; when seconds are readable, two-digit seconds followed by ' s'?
3 h 27 min
